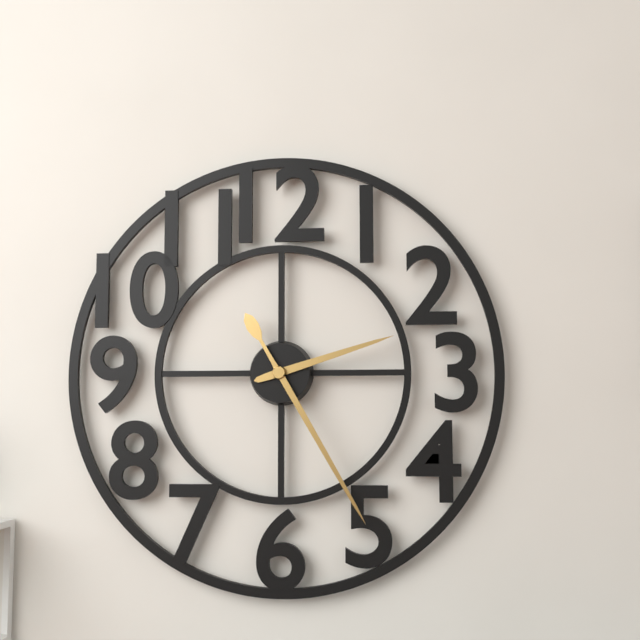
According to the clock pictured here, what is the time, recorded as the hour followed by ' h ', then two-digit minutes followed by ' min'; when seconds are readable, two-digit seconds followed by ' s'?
2 h 25 min
